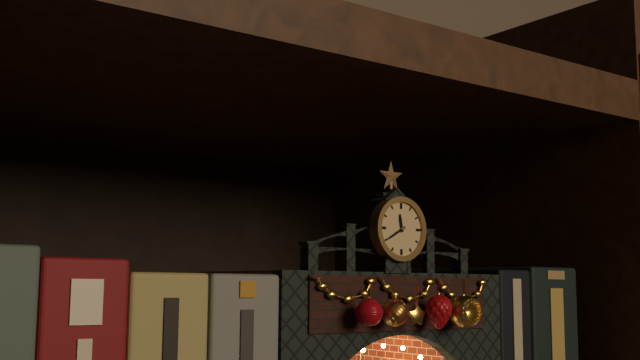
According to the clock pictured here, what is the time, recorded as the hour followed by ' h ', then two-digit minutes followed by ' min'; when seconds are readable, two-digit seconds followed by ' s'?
11 h 40 min
